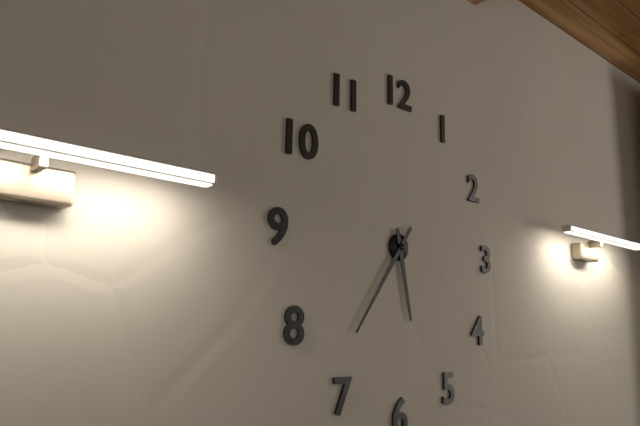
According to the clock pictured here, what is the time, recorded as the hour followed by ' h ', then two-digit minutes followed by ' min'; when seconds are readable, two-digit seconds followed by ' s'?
5 h 36 min
